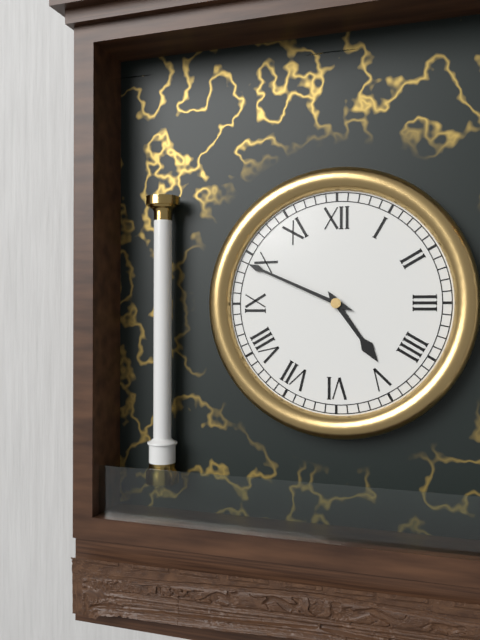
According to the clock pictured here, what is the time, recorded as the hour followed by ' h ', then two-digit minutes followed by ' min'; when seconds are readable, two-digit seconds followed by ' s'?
4 h 49 min
